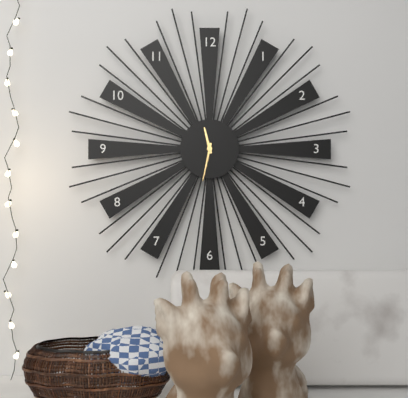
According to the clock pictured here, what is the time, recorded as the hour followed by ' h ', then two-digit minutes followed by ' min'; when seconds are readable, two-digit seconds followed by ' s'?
11 h 32 min
